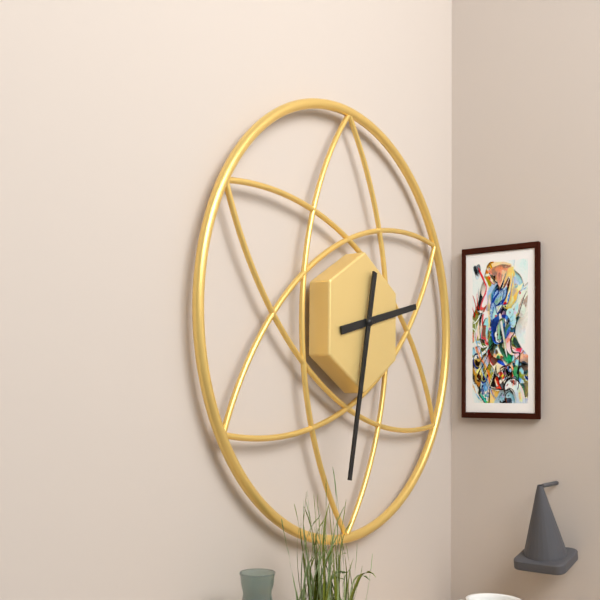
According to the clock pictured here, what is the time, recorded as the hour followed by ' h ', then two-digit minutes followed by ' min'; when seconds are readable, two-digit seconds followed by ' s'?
2 h 32 min
